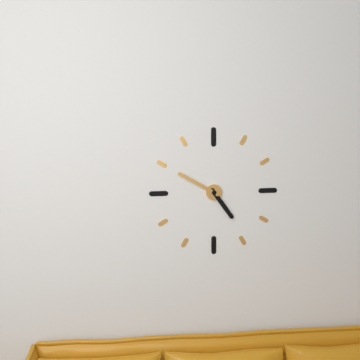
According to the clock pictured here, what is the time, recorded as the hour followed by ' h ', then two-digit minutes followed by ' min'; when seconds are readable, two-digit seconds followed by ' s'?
4 h 50 min
